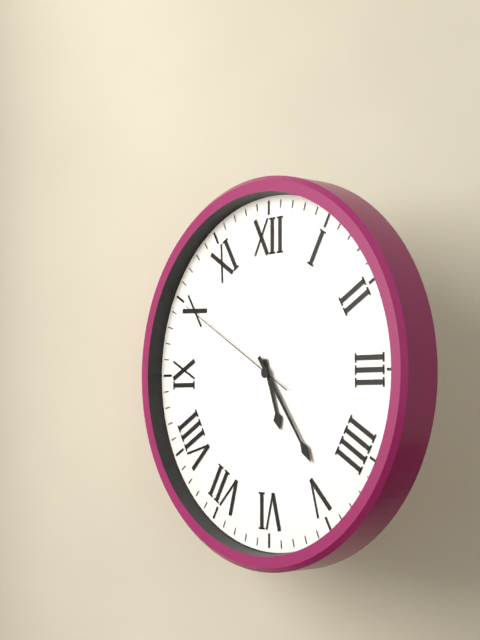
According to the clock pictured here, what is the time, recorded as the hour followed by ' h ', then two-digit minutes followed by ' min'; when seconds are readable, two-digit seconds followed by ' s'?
5 h 24 min 50 s
